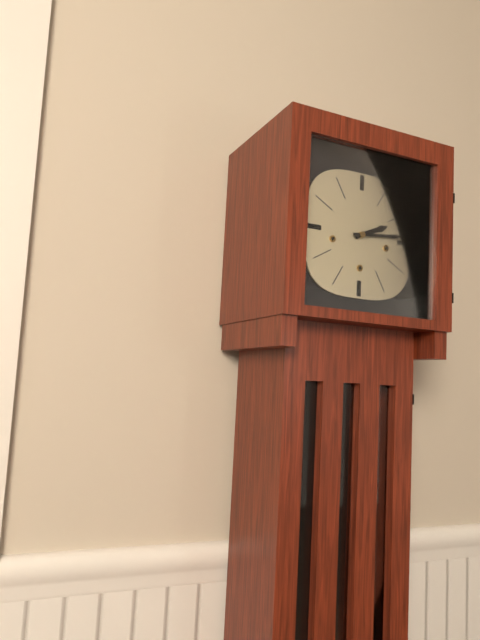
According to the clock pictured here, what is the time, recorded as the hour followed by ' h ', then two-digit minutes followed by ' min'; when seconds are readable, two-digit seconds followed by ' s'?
2 h 14 min
